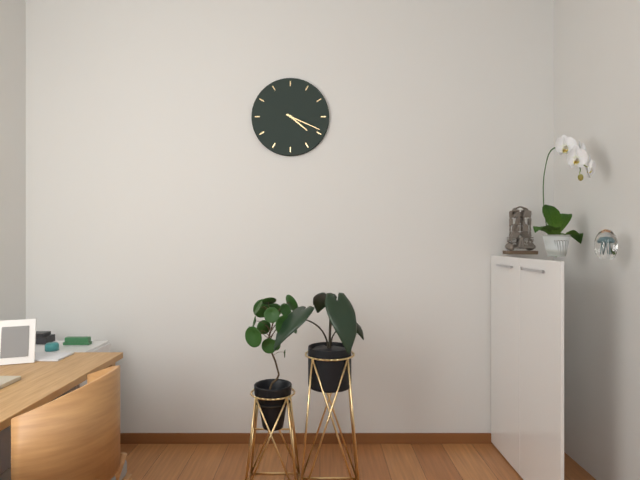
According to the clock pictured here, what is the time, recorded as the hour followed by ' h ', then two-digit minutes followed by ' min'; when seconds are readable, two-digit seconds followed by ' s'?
4 h 19 min
